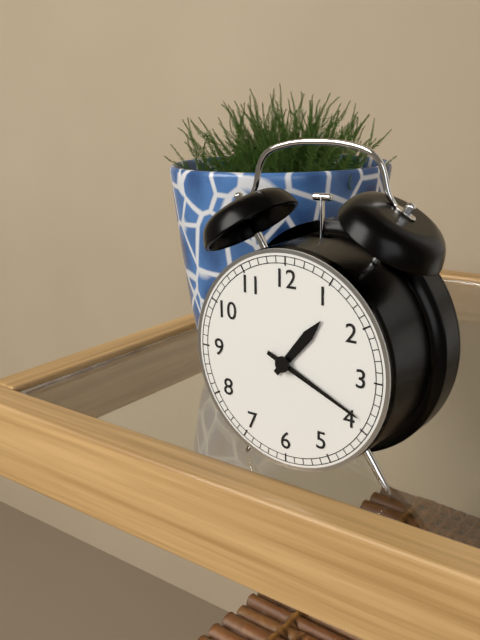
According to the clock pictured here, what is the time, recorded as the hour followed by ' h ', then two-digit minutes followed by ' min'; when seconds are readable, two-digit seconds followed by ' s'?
1 h 19 min
